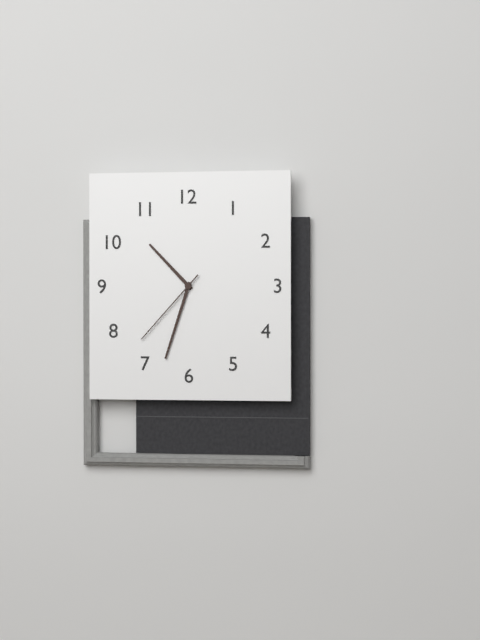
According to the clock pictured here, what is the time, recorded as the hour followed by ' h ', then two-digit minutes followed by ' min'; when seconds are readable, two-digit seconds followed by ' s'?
10 h 33 min 37 s
